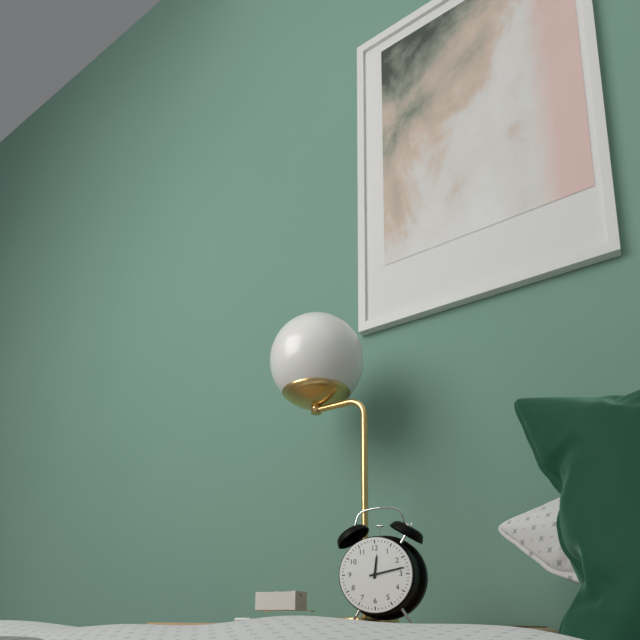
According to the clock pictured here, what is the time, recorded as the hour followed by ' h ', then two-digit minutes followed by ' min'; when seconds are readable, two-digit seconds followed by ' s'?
12 h 13 min
